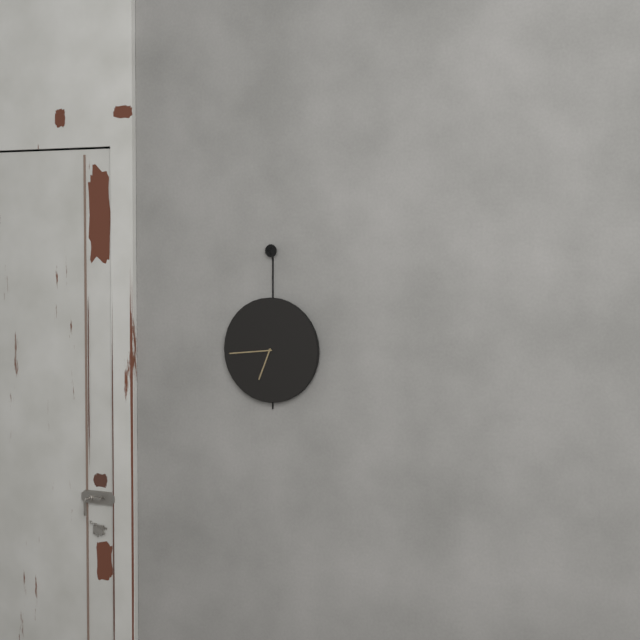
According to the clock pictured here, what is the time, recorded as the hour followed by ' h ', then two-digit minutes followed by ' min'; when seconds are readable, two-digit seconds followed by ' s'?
6 h 44 min
